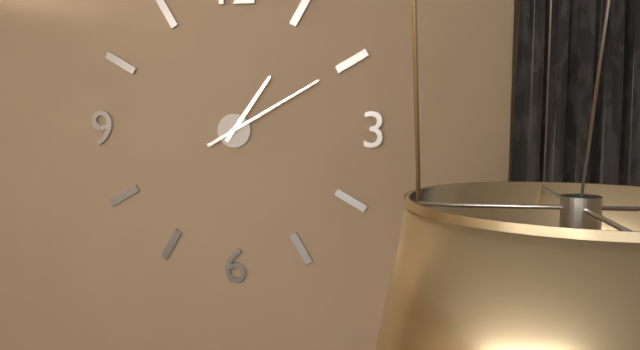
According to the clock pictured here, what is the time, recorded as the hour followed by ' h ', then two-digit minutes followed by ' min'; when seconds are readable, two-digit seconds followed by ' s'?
1 h 10 min
